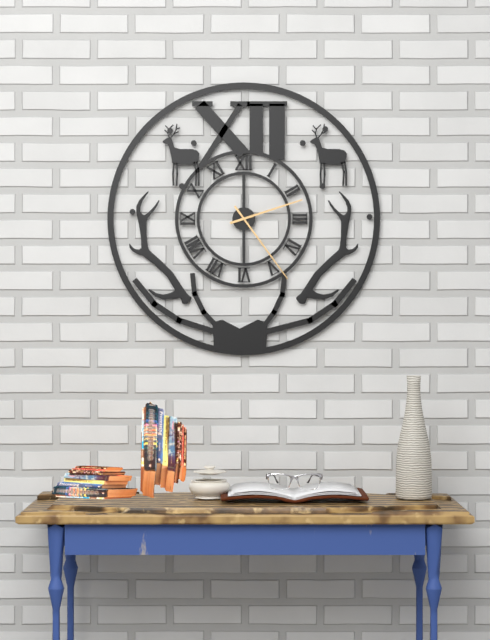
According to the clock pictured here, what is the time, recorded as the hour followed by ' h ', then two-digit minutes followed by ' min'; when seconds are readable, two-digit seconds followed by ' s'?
2 h 24 min
